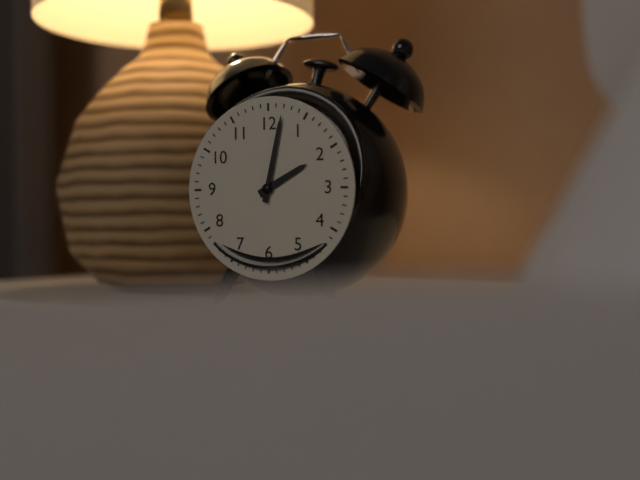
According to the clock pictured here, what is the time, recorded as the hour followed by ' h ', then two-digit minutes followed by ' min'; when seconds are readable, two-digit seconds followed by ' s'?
2 h 02 min
